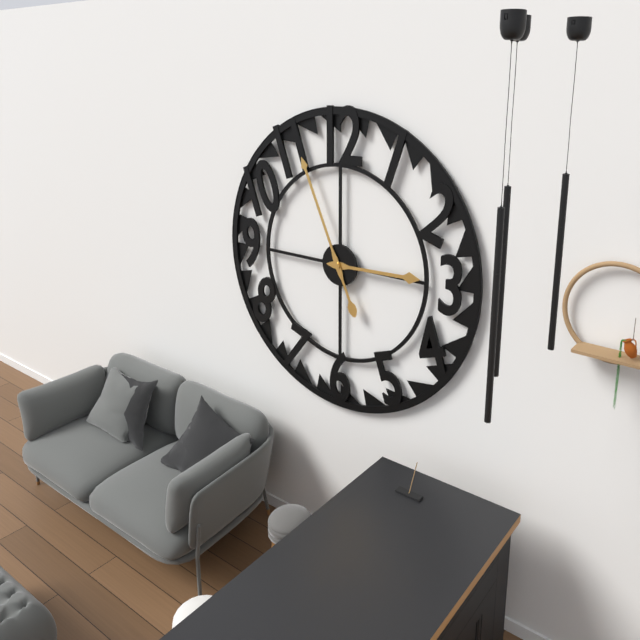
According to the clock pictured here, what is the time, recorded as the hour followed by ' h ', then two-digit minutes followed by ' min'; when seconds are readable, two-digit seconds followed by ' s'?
2 h 56 min
